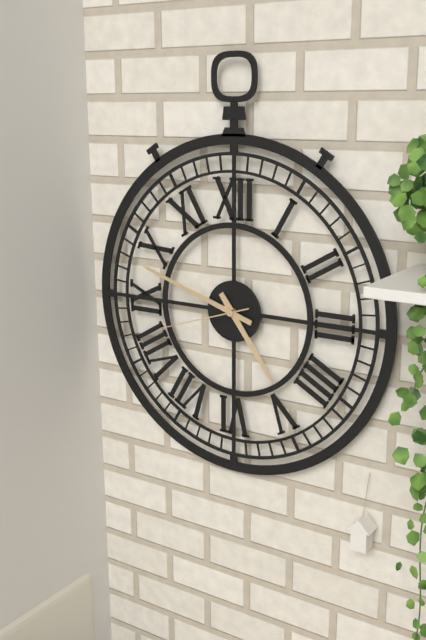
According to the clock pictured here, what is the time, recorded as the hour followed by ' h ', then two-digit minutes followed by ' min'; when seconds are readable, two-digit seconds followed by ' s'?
4 h 48 min 42 s
